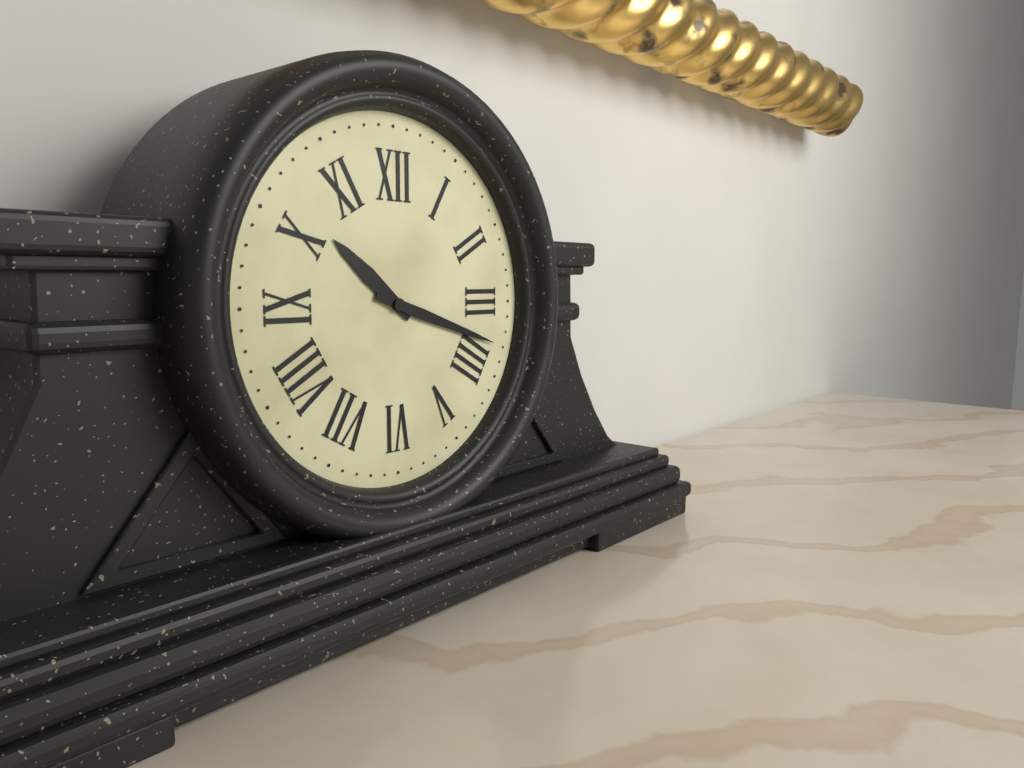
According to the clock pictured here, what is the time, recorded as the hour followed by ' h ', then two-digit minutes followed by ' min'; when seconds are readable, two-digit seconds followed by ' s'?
10 h 18 min
